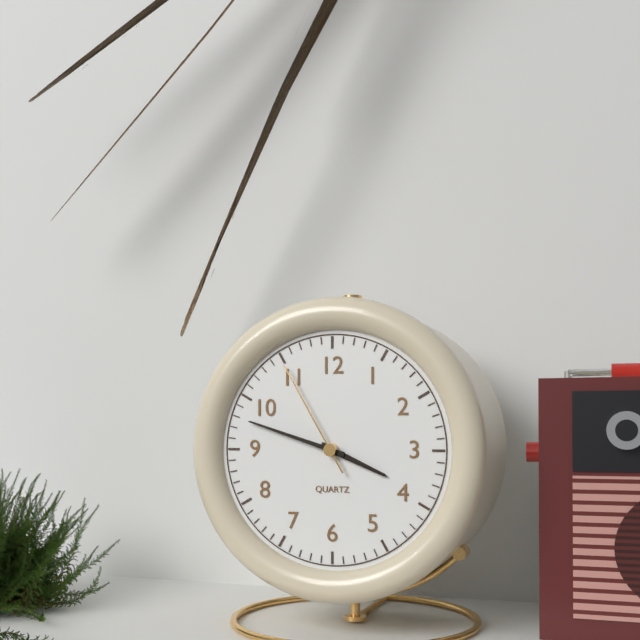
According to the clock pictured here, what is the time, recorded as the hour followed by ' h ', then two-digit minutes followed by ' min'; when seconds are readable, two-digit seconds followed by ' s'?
3 h 48 min 55 s
